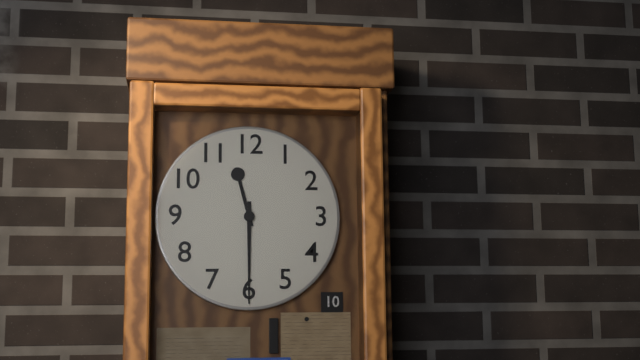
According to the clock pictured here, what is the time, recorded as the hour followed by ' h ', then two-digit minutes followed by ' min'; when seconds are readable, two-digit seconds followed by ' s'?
11 h 30 min
